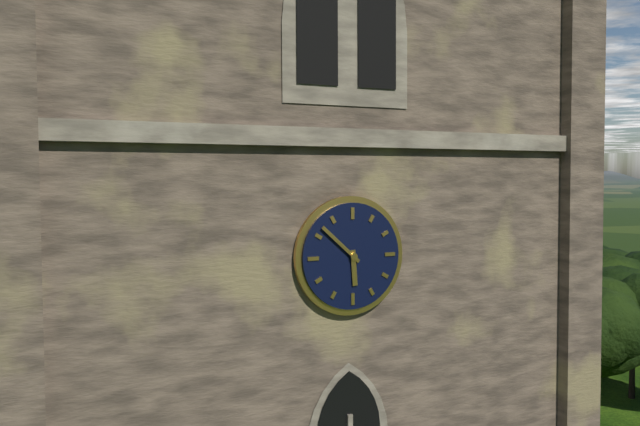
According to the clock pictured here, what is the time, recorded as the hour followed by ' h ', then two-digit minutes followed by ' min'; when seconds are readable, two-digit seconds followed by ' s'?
5 h 52 min
